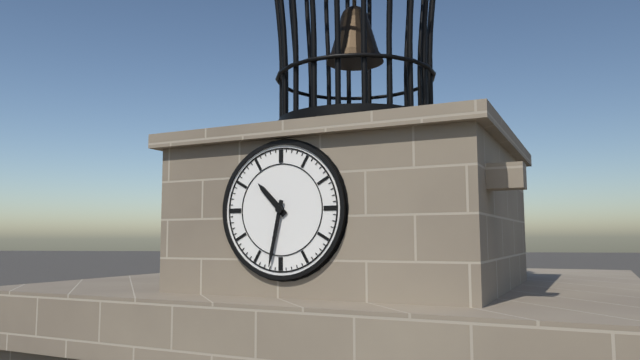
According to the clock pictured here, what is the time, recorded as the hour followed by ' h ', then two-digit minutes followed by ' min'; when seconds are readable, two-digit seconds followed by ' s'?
10 h 32 min
